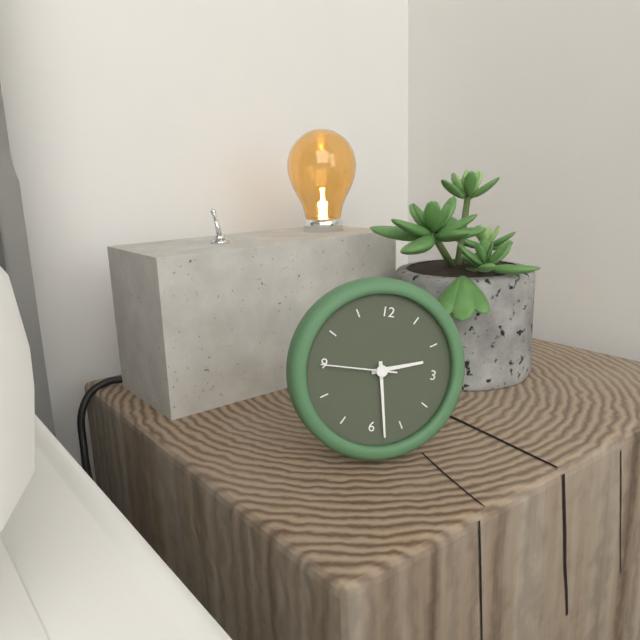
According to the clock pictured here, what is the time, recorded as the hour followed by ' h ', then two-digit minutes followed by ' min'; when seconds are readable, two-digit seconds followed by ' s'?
2 h 28 min 45 s
